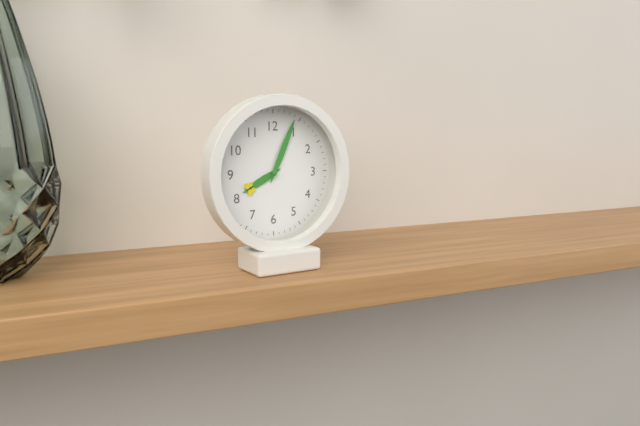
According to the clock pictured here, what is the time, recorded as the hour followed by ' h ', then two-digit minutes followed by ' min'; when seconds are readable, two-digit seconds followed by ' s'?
8 h 04 min
